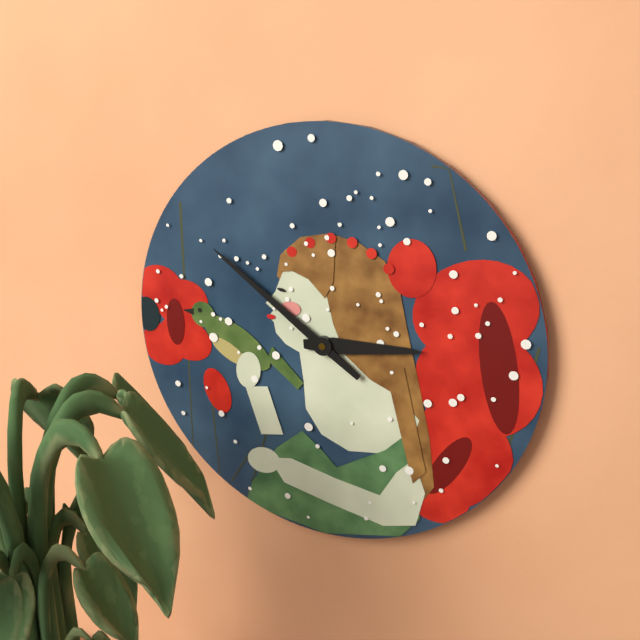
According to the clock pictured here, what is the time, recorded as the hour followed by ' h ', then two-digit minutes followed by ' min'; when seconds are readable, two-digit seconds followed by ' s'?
2 h 51 min
